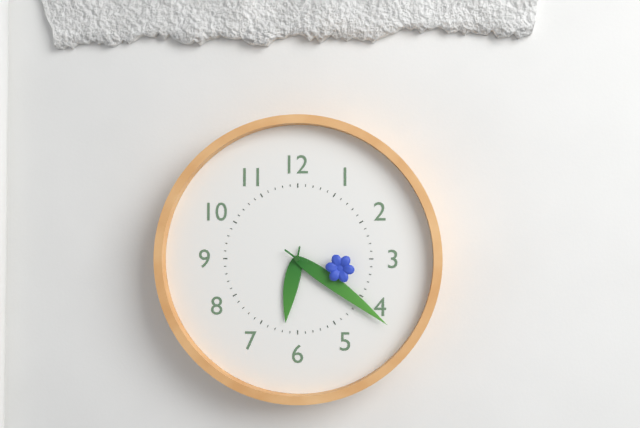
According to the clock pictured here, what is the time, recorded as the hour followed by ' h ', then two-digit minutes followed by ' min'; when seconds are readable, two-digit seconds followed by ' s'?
6 h 21 min 17 s
